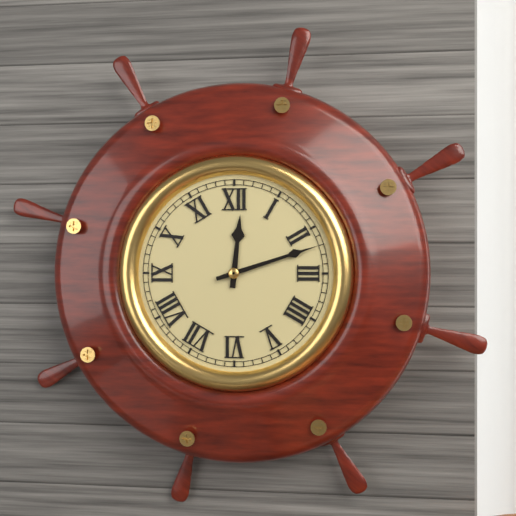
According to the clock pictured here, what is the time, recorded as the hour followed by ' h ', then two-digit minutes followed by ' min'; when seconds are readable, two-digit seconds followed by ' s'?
12 h 12 min
